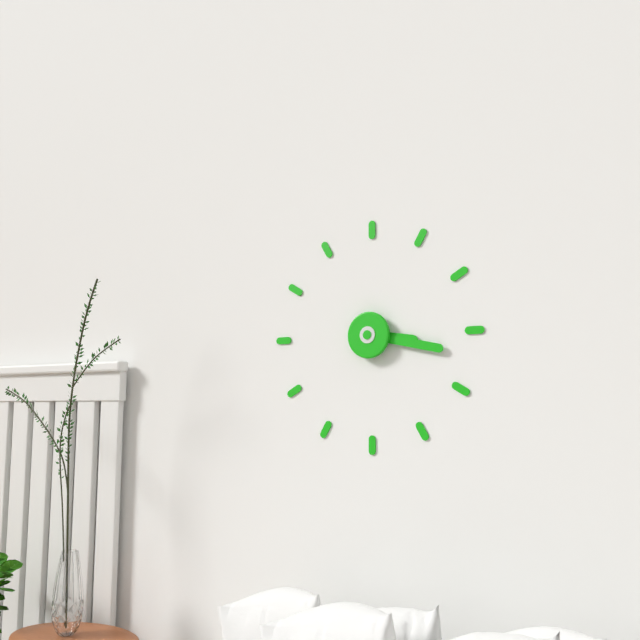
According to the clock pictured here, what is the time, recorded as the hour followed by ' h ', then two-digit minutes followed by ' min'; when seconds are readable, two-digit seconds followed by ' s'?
3 h 17 min
